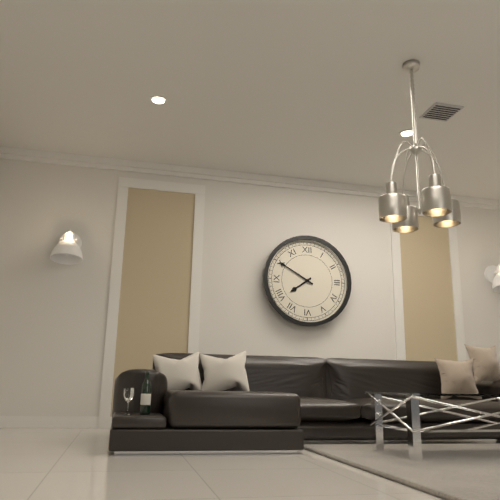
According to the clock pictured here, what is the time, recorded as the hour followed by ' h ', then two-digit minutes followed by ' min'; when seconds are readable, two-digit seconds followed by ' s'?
7 h 50 min
